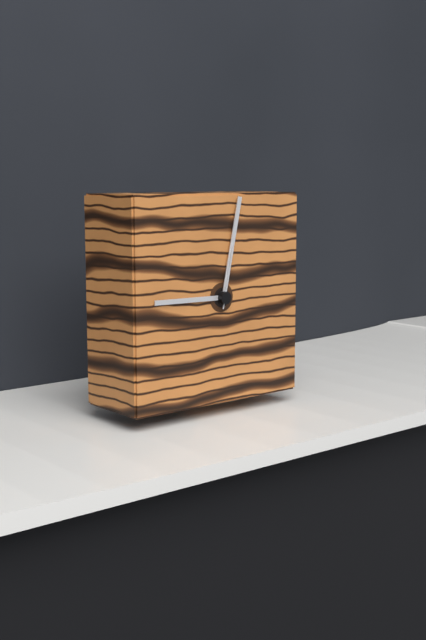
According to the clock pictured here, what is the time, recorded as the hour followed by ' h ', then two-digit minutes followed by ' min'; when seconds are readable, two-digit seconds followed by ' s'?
9 h 02 min 02 s
